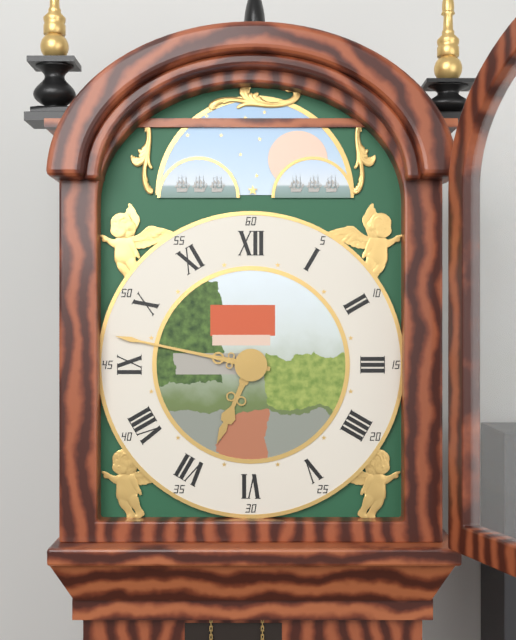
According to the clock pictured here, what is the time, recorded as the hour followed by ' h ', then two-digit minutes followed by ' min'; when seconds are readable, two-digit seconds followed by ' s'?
6 h 47 min
